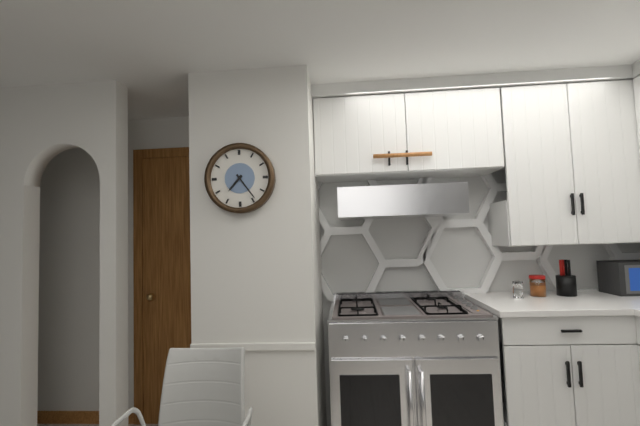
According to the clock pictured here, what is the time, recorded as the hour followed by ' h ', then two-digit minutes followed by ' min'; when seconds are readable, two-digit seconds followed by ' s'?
7 h 24 min
